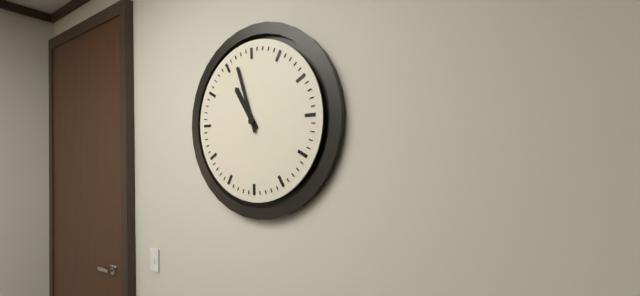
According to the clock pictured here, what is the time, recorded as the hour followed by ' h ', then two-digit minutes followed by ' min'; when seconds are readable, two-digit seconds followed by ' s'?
10 h 57 min
